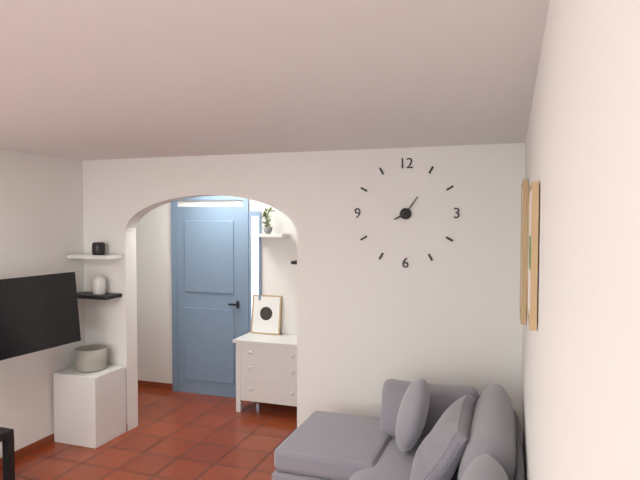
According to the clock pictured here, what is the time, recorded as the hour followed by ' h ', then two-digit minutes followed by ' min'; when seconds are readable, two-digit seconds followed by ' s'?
8 h 06 min
